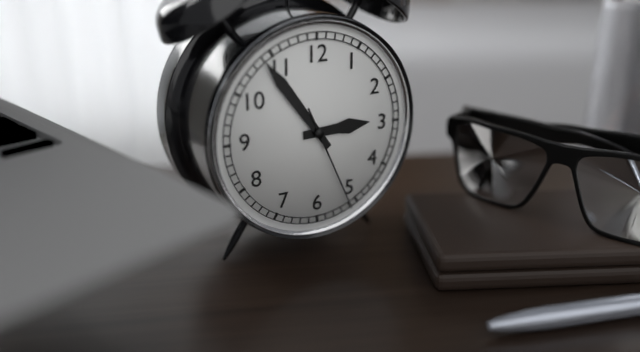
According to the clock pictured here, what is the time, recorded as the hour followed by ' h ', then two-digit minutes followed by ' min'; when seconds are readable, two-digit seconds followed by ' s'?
2 h 54 min 26 s
